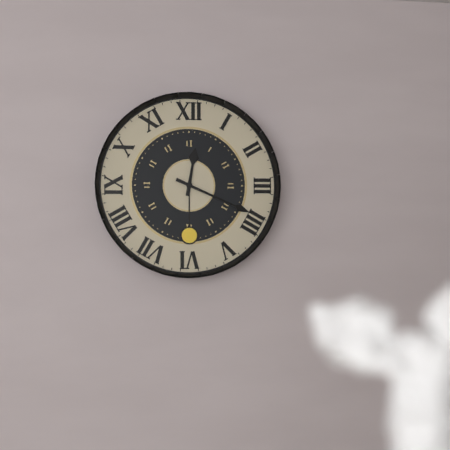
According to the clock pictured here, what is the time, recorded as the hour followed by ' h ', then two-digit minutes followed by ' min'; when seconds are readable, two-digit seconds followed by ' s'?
12 h 19 min
